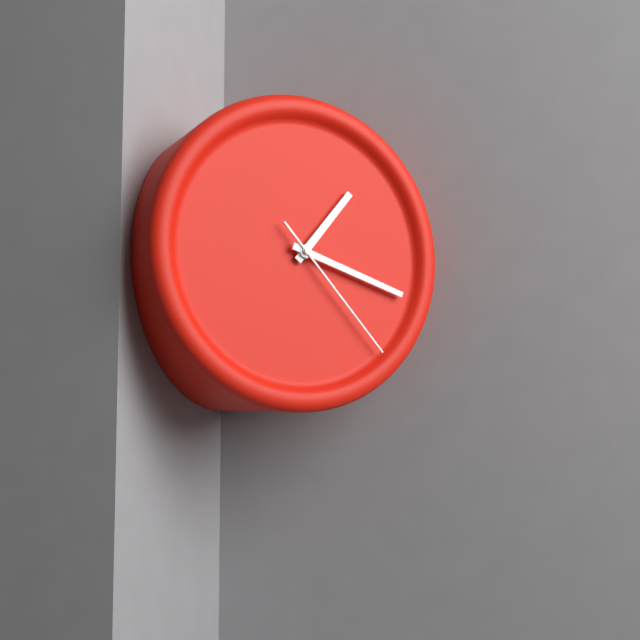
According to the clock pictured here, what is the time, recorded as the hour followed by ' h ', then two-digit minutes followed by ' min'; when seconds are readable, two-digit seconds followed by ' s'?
1 h 18 min 23 s
